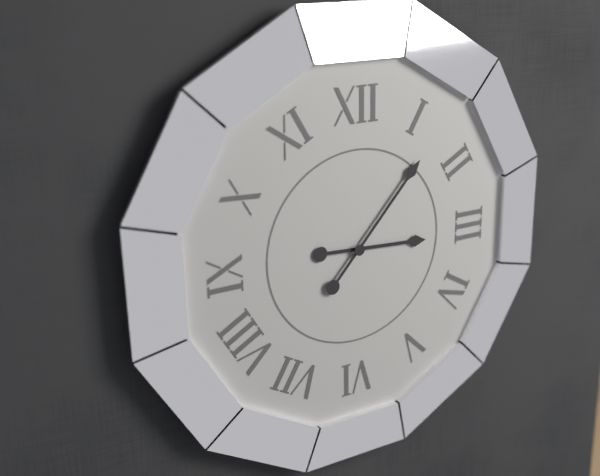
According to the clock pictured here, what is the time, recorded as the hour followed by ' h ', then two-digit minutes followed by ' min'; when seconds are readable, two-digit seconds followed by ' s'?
3 h 07 min
